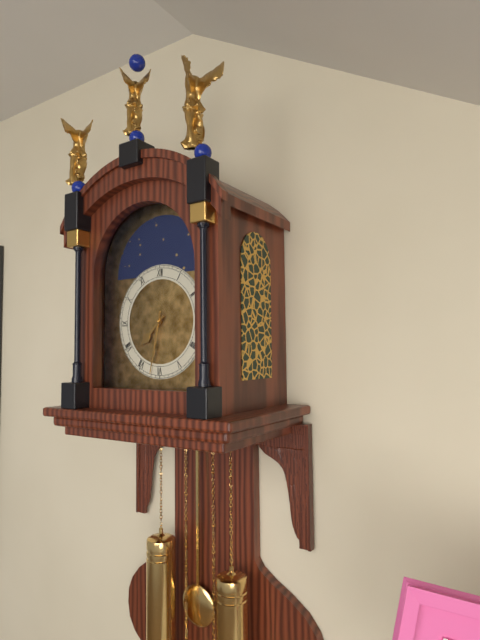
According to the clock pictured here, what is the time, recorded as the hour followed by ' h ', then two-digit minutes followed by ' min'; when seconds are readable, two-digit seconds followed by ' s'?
7 h 32 min
